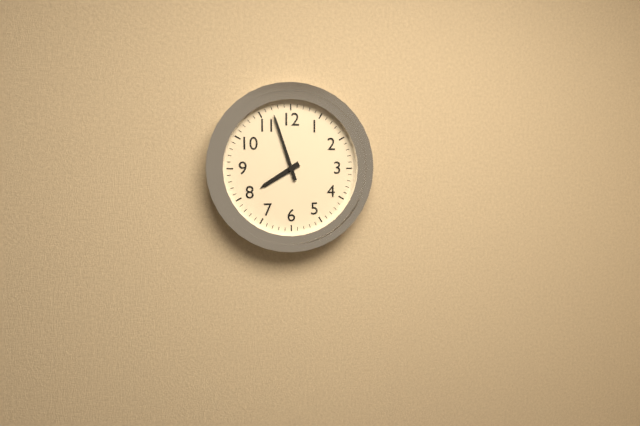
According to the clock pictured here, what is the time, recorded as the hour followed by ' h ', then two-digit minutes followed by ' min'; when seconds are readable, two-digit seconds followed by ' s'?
7 h 57 min
